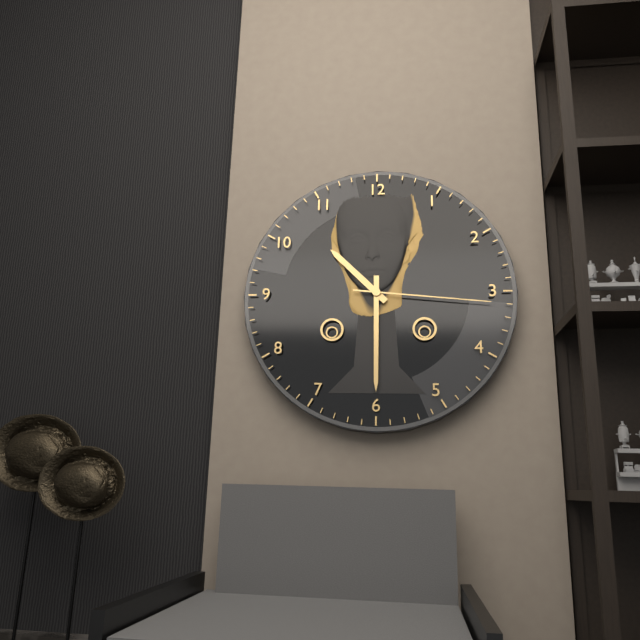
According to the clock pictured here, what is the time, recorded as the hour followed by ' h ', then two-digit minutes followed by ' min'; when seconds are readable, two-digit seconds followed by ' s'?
10 h 30 min 16 s
